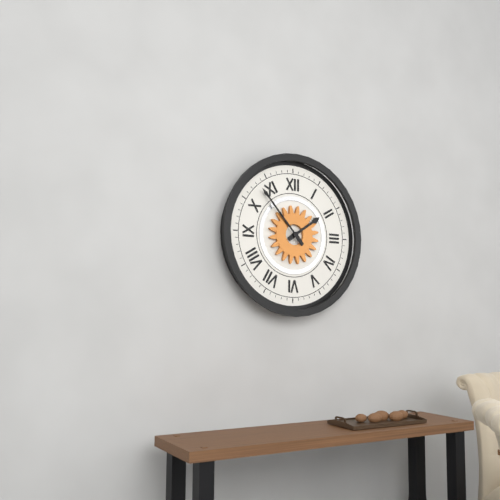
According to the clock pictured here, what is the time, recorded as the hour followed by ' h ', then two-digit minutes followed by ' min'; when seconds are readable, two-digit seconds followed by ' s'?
1 h 53 min
